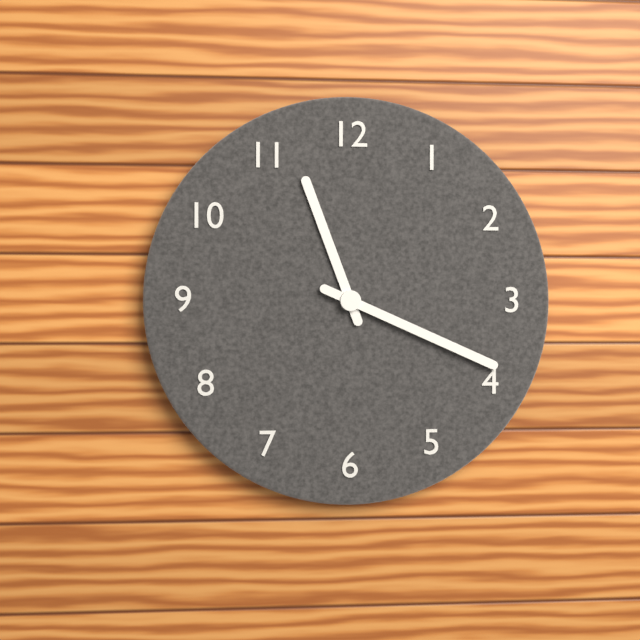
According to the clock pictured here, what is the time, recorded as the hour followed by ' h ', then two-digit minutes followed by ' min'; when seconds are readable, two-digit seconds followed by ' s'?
11 h 19 min
